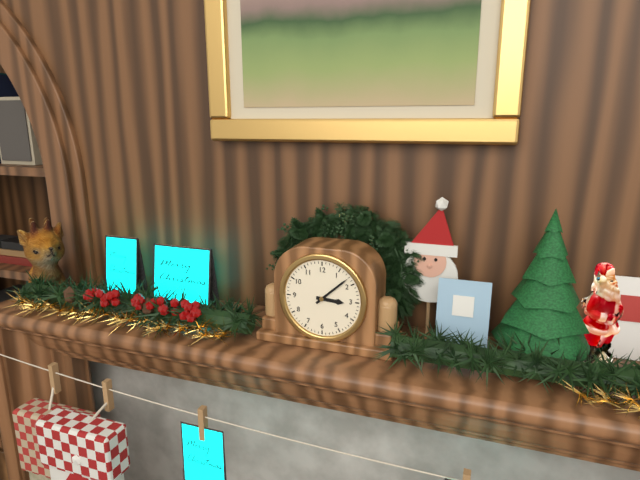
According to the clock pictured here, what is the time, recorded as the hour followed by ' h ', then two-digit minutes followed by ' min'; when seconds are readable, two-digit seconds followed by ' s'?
3 h 08 min
